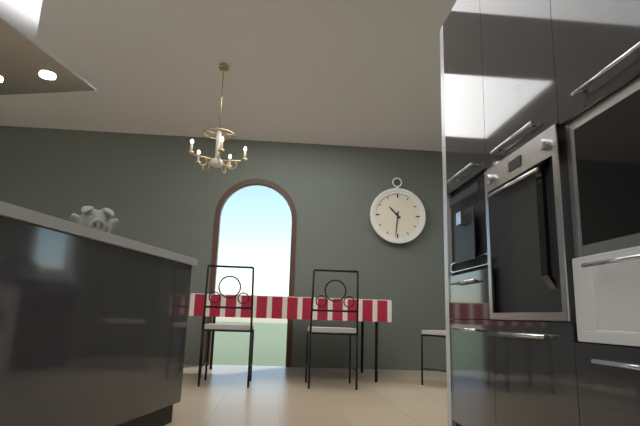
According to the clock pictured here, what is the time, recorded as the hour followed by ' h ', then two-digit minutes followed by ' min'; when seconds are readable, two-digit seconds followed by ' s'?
10 h 31 min
